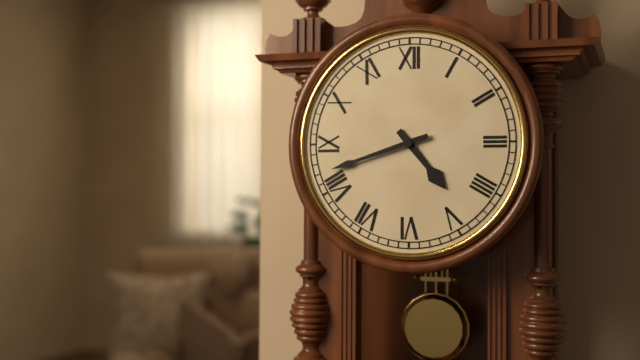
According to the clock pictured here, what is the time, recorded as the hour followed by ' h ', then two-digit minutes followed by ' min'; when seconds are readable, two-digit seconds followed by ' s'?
4 h 42 min
